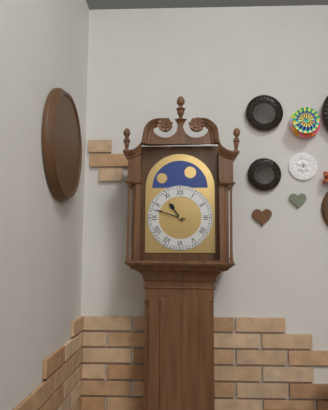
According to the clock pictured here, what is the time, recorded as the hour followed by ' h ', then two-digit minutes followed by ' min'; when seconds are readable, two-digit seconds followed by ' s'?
10 h 48 min
